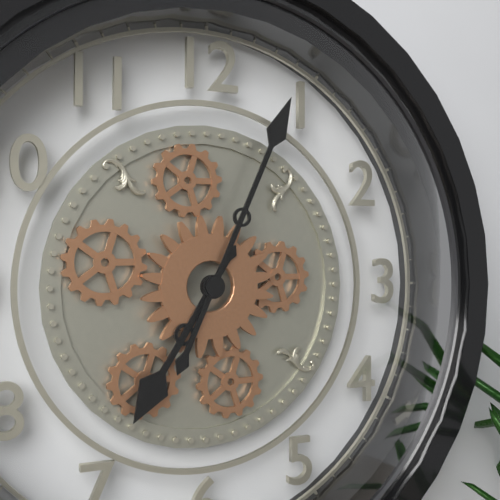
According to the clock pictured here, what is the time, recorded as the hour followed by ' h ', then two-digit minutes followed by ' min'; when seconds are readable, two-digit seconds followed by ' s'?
7 h 04 min
